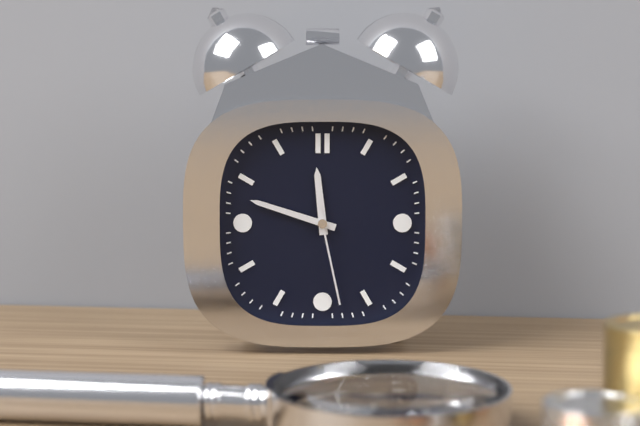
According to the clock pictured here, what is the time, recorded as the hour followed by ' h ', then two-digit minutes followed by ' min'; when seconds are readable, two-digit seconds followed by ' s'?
11 h 48 min 28 s
